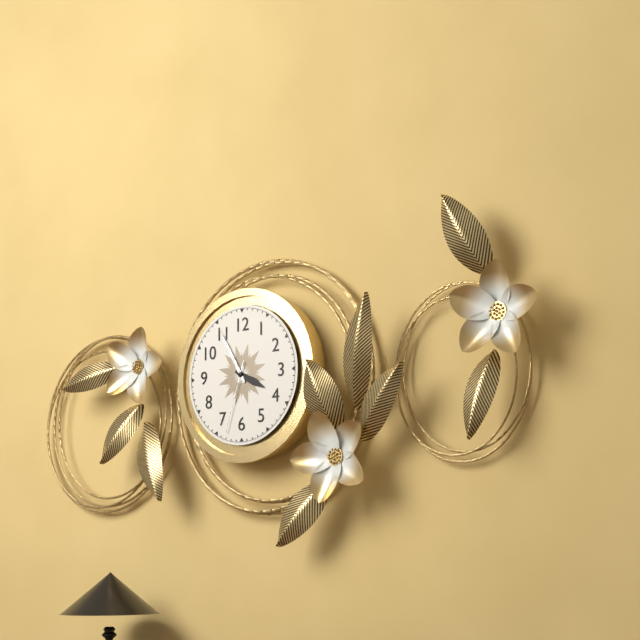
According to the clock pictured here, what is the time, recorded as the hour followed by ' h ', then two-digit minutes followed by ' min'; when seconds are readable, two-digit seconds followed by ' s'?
3 h 55 min 33 s
